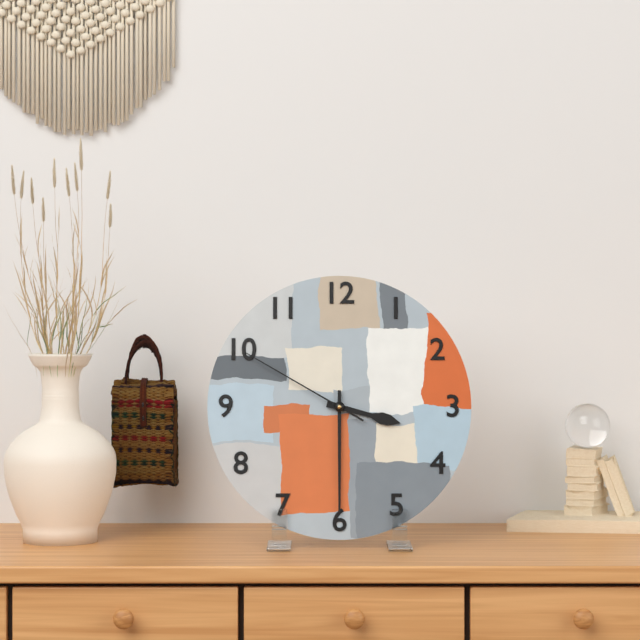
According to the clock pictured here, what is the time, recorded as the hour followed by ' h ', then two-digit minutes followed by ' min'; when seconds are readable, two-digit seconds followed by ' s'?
3 h 30 min 50 s
